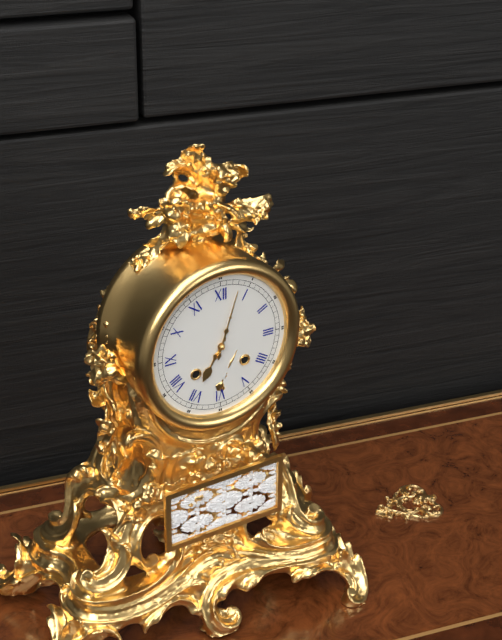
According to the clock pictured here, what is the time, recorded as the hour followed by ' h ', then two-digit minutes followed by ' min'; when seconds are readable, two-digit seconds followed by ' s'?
7 h 03 min
